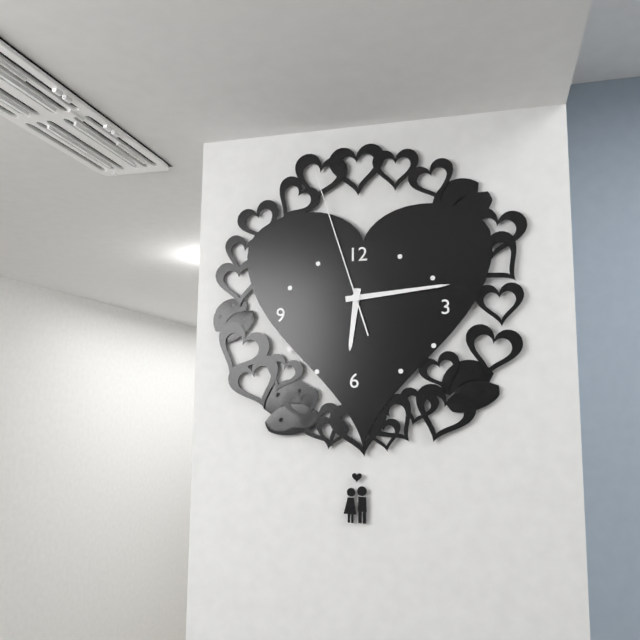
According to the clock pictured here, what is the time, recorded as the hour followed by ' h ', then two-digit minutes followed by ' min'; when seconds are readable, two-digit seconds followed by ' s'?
6 h 14 min 57 s
